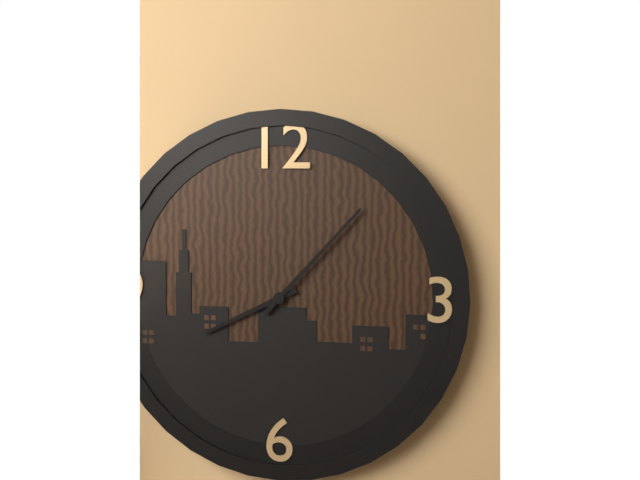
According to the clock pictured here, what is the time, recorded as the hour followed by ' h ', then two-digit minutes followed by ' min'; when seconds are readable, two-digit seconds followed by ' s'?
8 h 07 min
